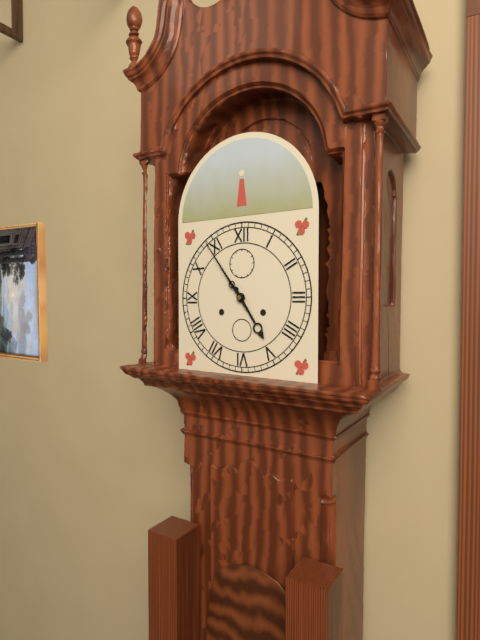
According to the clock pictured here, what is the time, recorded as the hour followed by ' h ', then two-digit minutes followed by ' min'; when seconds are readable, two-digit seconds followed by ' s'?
4 h 54 min
